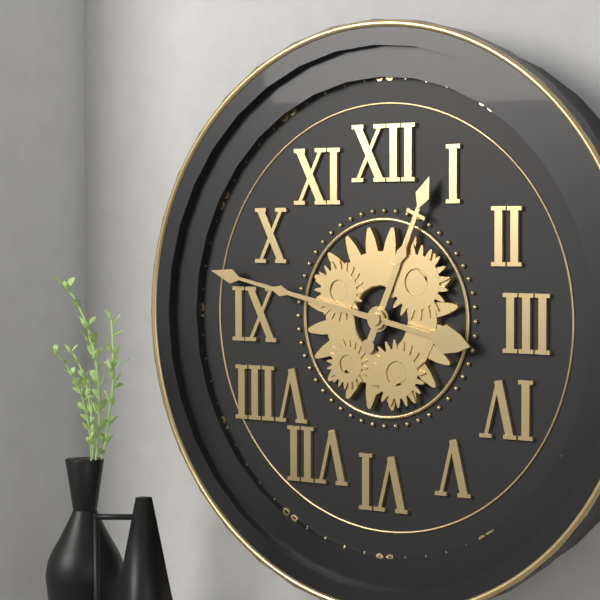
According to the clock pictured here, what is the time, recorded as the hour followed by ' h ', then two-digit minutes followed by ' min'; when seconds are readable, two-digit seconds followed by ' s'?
12 h 47 min
